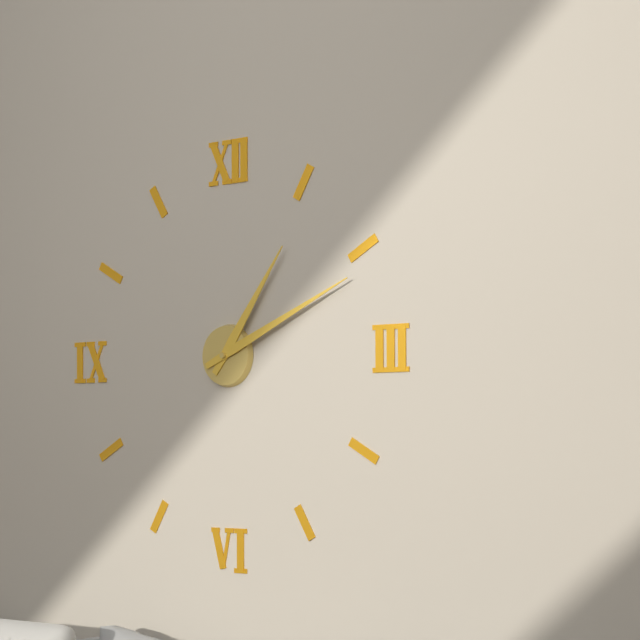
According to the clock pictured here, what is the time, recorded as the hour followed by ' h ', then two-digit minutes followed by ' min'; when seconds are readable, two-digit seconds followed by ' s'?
1 h 11 min
